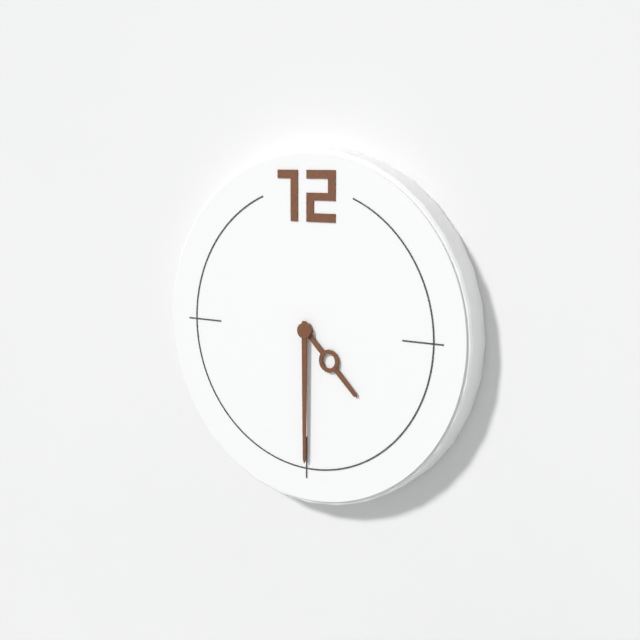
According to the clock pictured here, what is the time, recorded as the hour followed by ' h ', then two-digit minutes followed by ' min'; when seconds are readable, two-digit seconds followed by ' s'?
4 h 30 min
